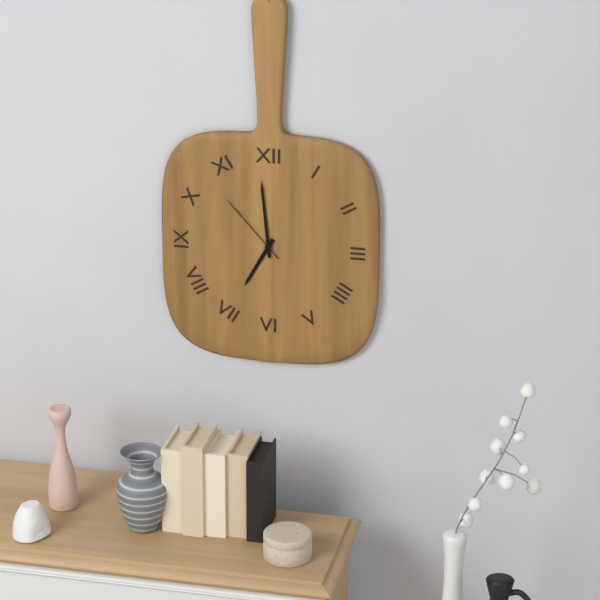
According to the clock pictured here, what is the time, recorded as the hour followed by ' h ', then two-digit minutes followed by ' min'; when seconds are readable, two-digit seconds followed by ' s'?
6 h 59 min 53 s
